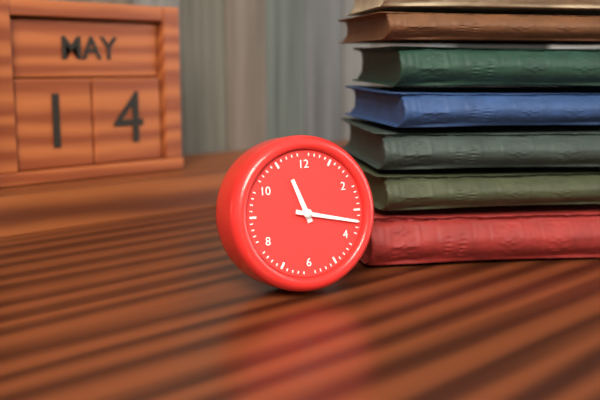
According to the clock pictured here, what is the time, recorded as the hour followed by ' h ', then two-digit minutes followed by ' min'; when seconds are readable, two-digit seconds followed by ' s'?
11 h 17 min
